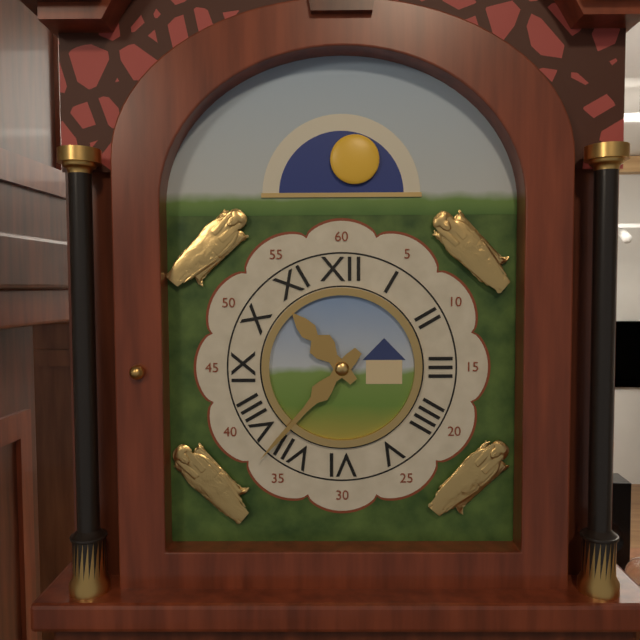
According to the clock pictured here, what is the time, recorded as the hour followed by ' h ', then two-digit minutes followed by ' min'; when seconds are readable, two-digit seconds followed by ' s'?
10 h 37 min
